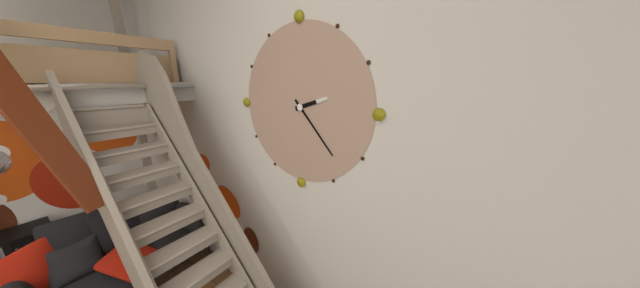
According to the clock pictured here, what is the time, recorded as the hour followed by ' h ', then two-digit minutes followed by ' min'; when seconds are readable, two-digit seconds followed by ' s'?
2 h 23 min
